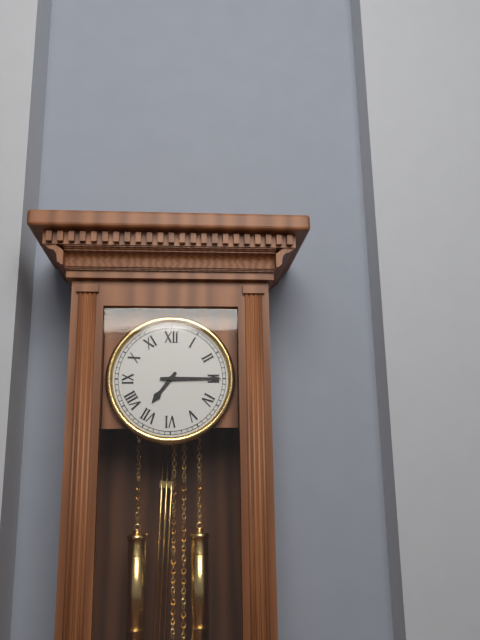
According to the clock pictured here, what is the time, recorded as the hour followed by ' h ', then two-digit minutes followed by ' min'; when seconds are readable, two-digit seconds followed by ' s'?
7 h 15 min
